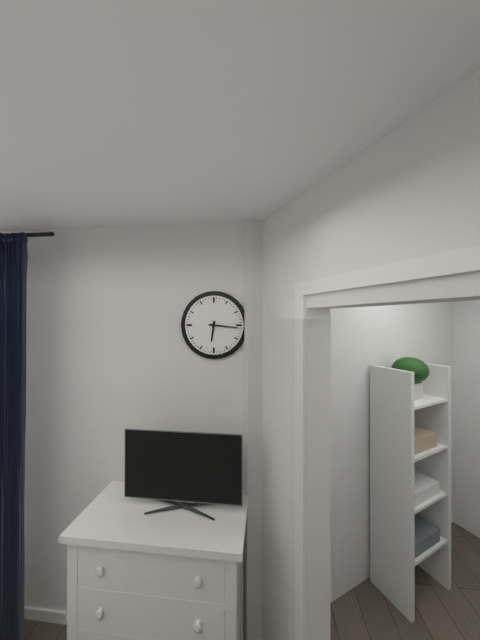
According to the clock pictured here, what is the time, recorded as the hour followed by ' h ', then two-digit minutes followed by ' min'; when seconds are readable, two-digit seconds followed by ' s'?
6 h 16 min
